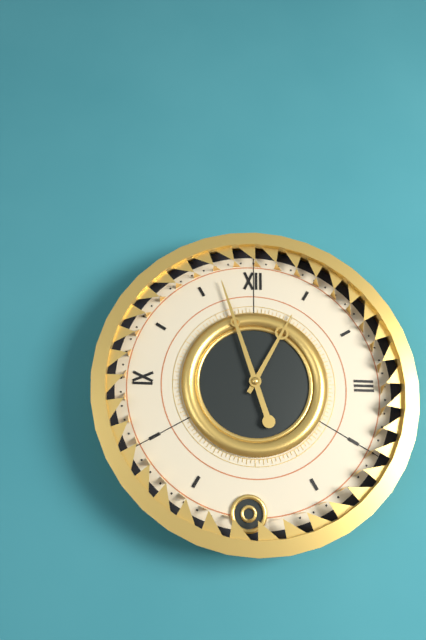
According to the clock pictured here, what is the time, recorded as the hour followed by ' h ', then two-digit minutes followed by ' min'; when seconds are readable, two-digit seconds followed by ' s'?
12 h 57 min
